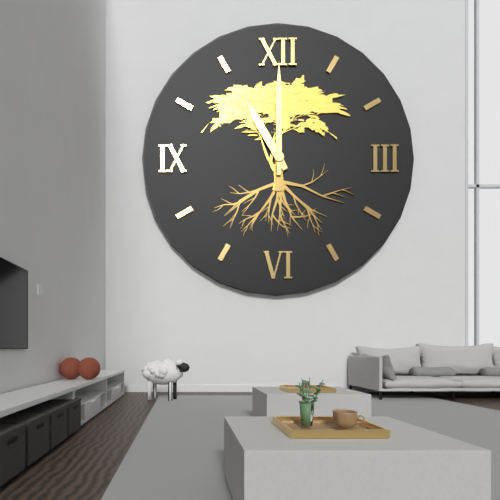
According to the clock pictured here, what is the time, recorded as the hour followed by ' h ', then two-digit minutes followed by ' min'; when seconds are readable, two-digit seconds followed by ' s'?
11 h 00 min
